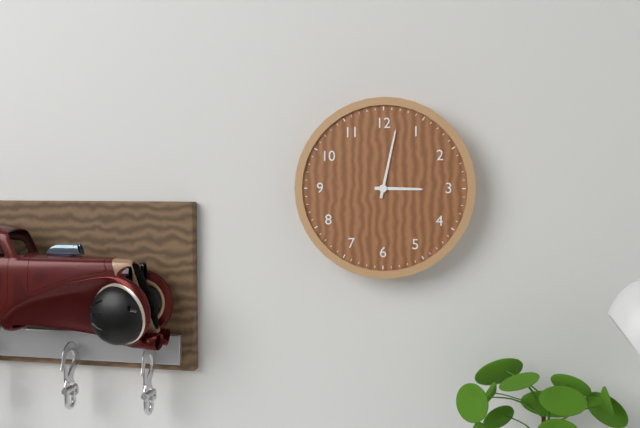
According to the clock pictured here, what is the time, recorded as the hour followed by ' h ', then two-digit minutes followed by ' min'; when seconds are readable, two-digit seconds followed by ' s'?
3 h 02 min
